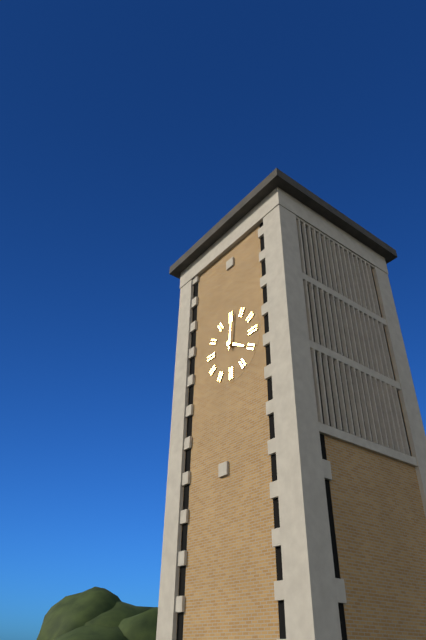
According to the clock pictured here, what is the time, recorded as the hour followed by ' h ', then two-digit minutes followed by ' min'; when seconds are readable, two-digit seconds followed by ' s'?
4 h 01 min
